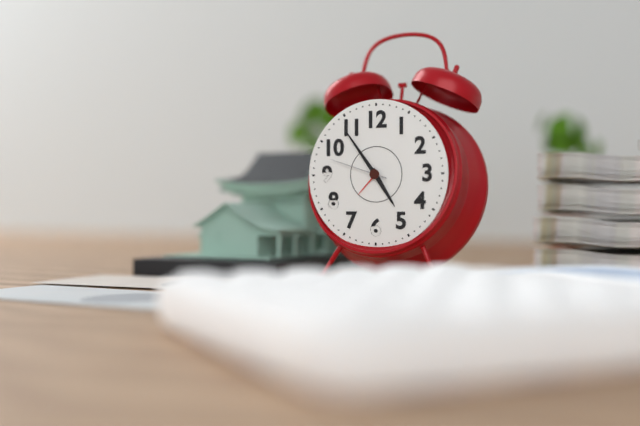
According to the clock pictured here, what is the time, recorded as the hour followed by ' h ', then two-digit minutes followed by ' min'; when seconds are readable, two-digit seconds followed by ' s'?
4 h 54 min 48 s
